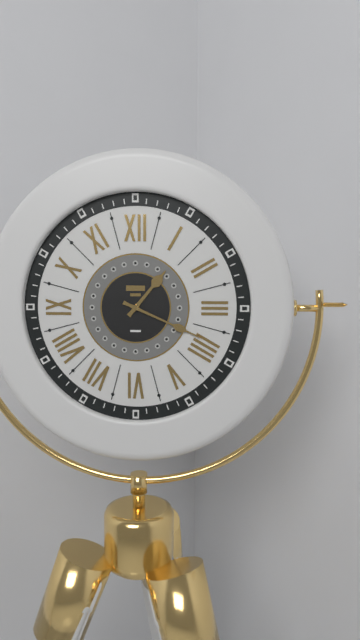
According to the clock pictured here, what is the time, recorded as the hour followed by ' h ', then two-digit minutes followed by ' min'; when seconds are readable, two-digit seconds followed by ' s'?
1 h 19 min
